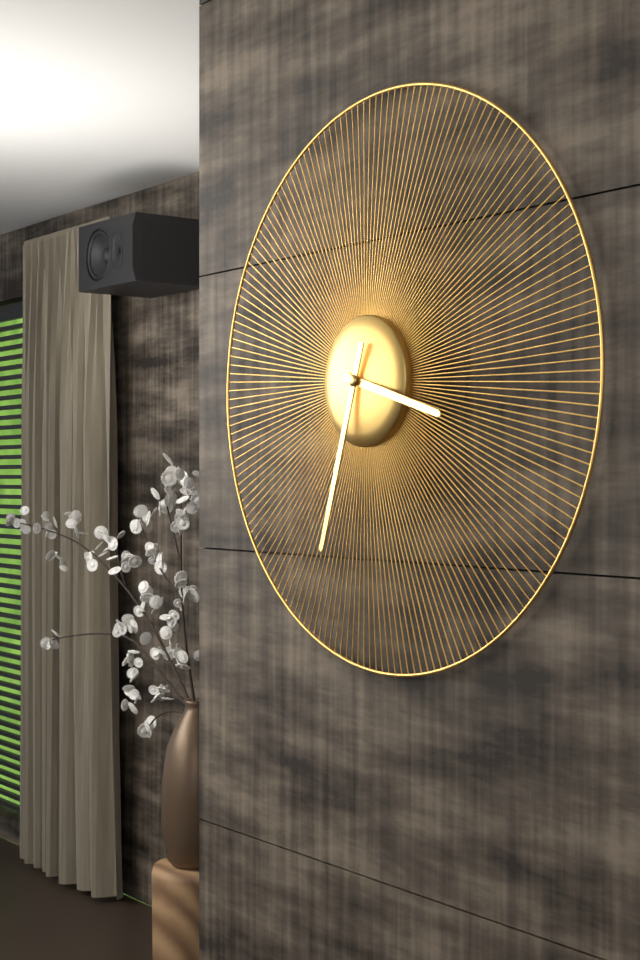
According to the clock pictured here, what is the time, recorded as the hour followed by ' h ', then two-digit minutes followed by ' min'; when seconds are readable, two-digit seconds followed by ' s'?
3 h 33 min
